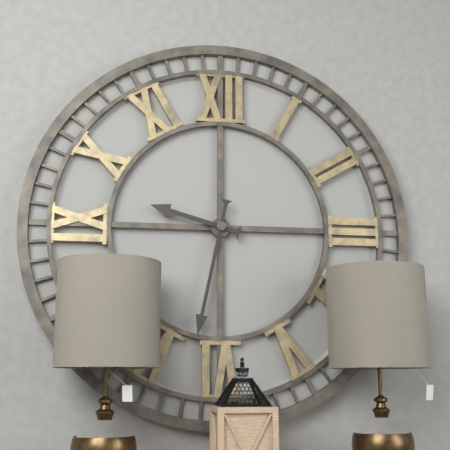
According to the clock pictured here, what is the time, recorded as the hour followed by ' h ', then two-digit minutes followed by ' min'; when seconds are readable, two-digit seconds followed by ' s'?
9 h 32 min
